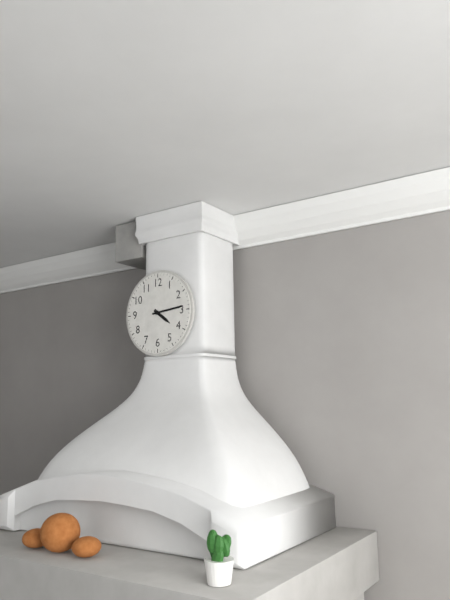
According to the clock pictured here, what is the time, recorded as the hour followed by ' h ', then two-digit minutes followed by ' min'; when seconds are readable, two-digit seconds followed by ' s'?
4 h 14 min
